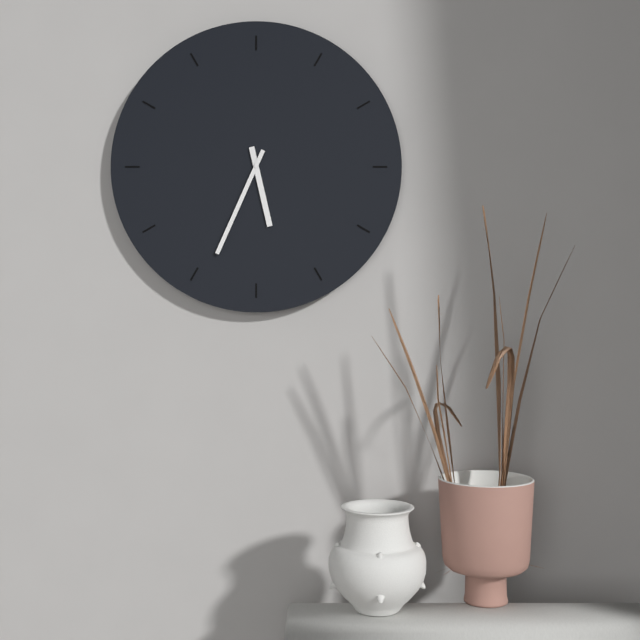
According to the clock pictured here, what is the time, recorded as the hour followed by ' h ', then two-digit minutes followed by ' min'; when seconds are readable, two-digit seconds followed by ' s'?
5 h 34 min
